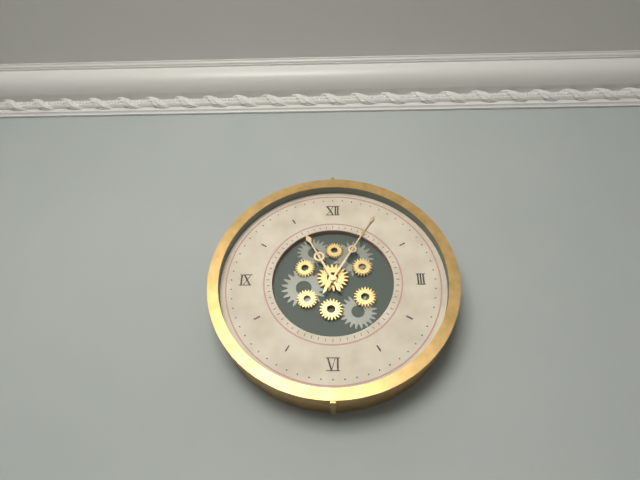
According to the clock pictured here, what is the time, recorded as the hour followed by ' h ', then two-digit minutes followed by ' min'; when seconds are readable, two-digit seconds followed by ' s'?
11 h 05 min
